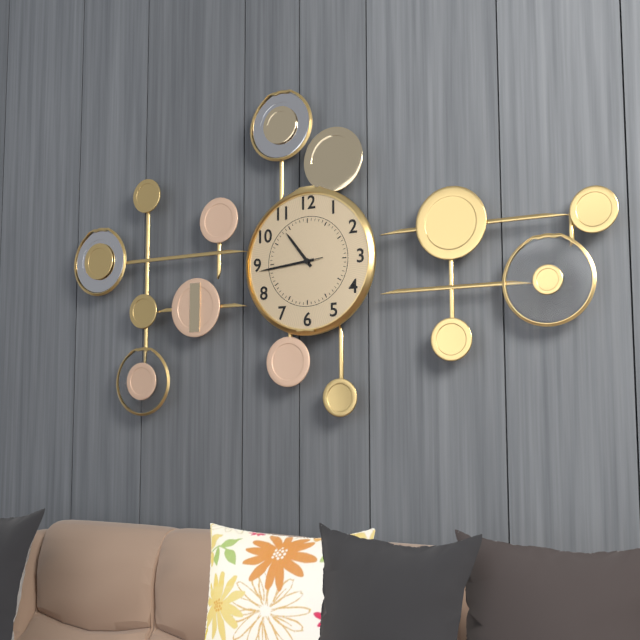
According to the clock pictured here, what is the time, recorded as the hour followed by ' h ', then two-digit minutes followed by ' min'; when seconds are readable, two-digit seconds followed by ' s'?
10 h 44 min 44 s
